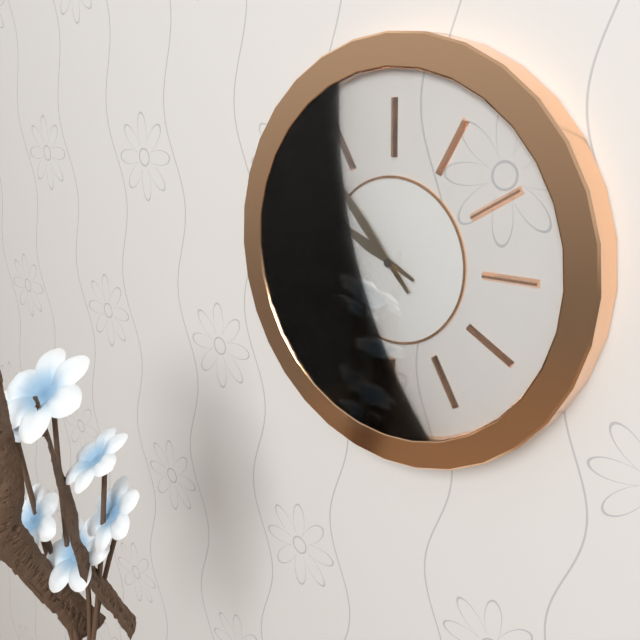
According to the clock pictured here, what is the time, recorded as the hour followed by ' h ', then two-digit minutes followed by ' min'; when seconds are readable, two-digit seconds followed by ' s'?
9 h 53 min
